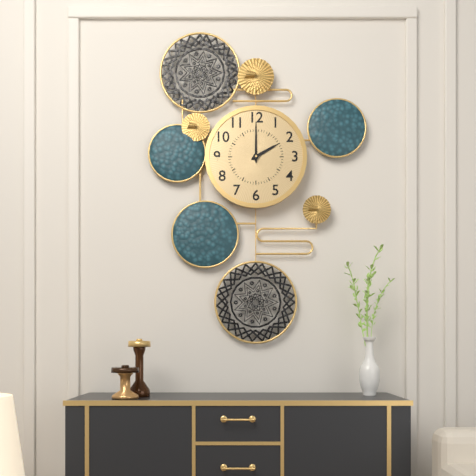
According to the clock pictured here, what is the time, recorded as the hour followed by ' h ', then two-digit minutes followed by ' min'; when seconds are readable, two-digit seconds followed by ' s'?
2 h 00 min
